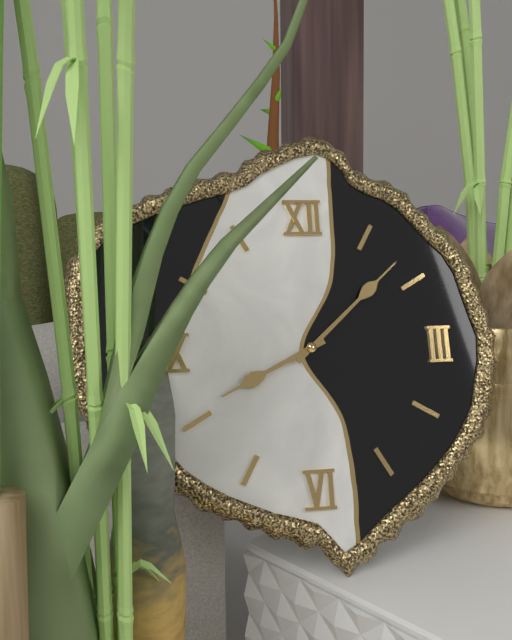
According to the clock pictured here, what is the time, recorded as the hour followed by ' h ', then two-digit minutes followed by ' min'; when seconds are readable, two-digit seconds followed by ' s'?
8 h 08 min
